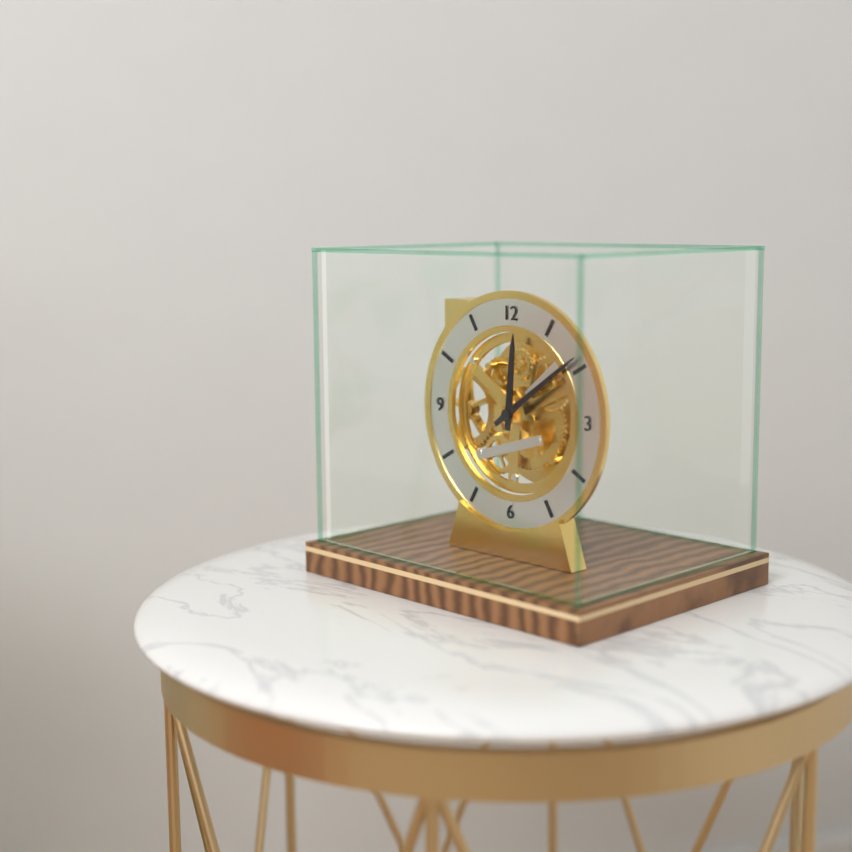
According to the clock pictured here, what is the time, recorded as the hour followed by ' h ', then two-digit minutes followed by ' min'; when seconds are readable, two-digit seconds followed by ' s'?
12 h 09 min
